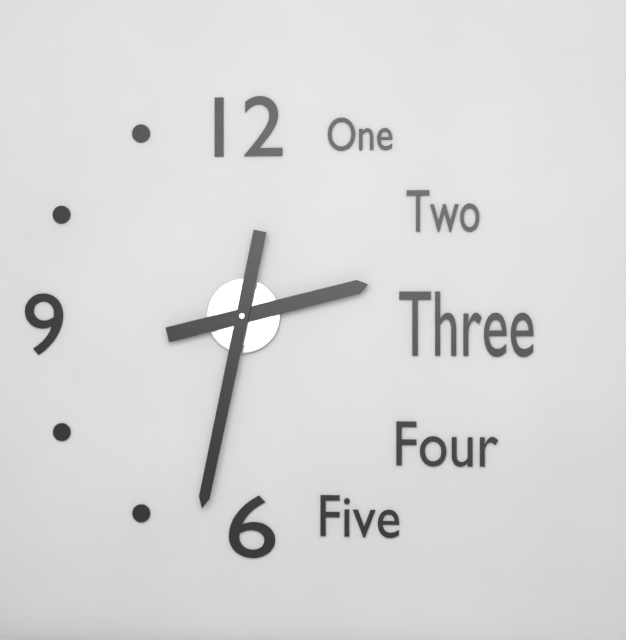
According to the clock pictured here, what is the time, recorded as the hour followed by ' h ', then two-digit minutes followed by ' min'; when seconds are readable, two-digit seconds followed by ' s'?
2 h 32 min
